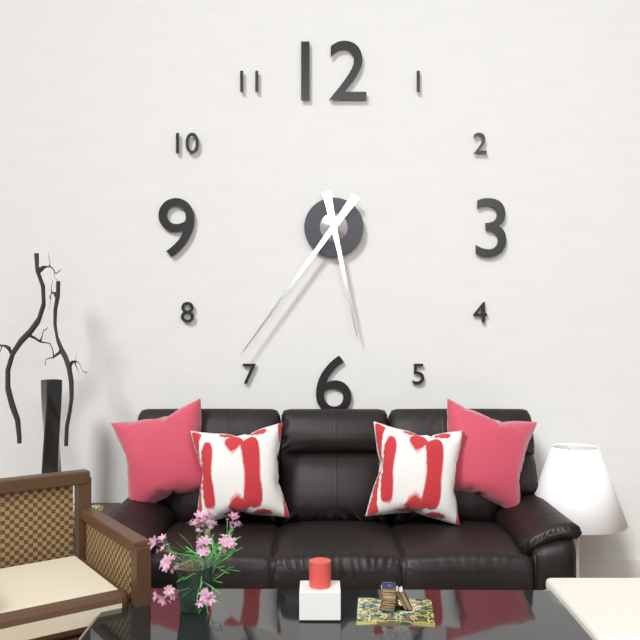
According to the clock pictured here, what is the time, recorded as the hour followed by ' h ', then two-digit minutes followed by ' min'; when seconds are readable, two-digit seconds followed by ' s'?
5 h 36 min
